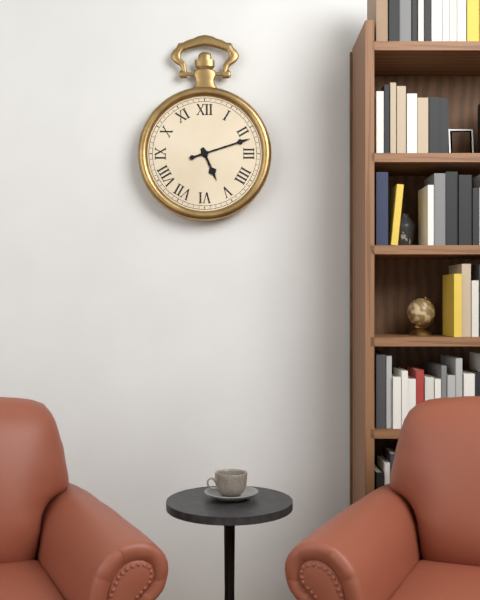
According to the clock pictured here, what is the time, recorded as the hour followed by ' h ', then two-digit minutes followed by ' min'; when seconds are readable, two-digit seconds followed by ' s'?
5 h 12 min
